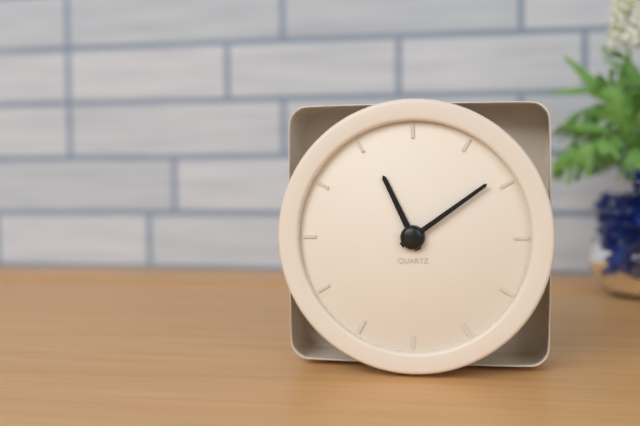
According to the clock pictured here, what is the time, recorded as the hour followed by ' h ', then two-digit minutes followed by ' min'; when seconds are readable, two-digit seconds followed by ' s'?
11 h 09 min
